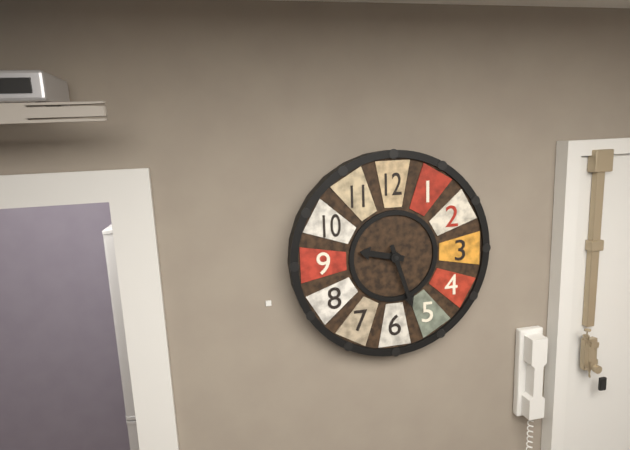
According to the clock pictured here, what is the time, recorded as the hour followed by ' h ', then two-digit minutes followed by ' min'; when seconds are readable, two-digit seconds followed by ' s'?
9 h 27 min
